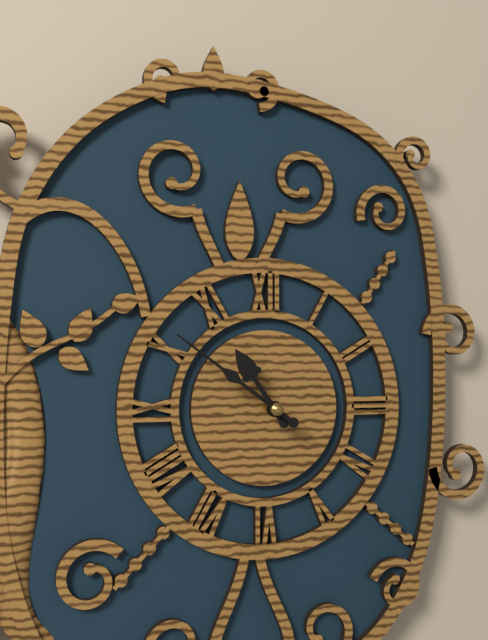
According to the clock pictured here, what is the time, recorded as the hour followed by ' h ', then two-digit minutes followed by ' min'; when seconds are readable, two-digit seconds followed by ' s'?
10 h 51 min
